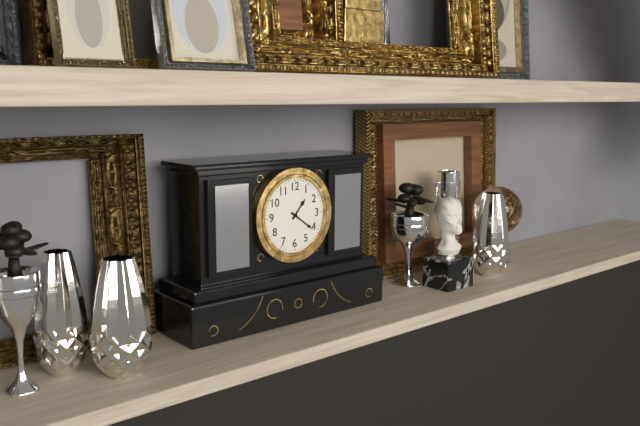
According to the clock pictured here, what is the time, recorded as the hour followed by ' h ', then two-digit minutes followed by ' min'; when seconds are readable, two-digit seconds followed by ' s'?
1 h 21 min
